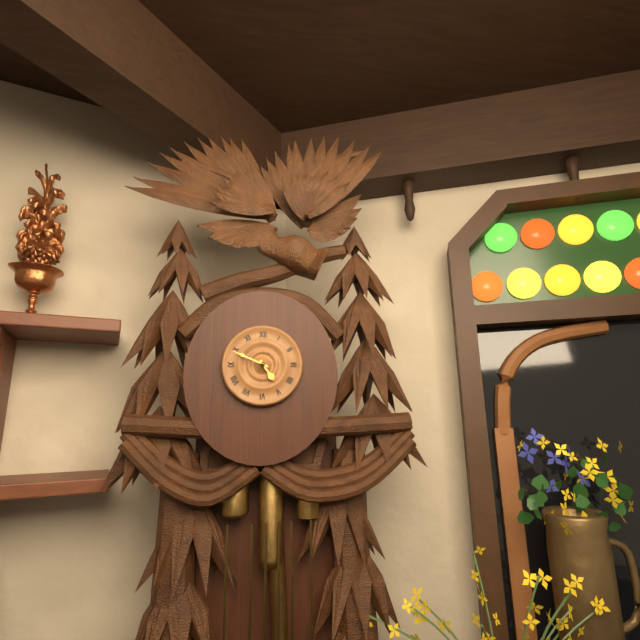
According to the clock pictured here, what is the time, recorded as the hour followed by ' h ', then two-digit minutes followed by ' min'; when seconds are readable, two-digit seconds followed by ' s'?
4 h 49 min
